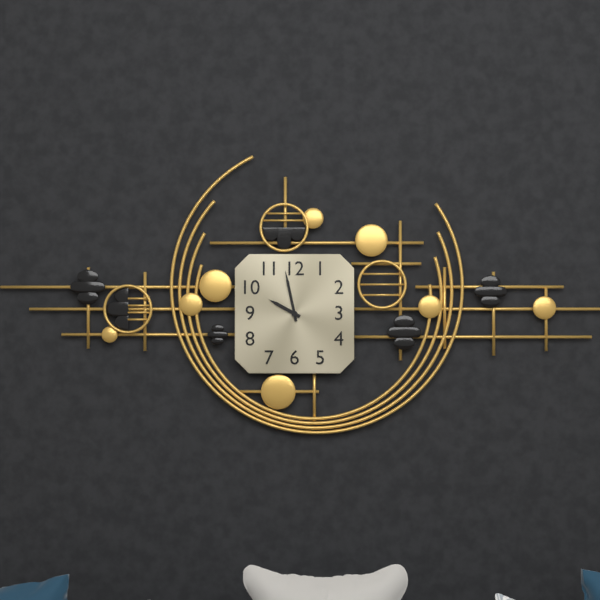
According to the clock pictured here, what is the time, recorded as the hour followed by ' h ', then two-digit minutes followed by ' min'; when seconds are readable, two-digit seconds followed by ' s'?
9 h 58 min
